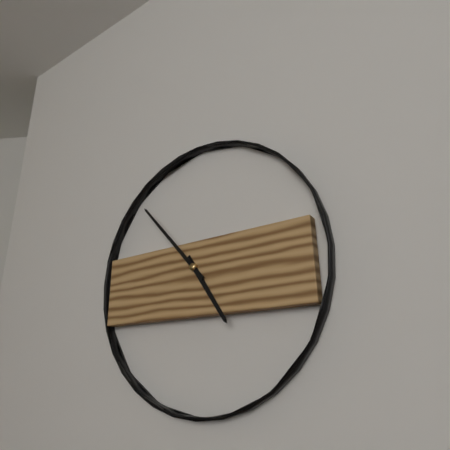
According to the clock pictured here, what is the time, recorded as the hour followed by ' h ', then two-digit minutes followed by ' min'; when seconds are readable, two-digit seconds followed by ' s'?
4 h 53 min
